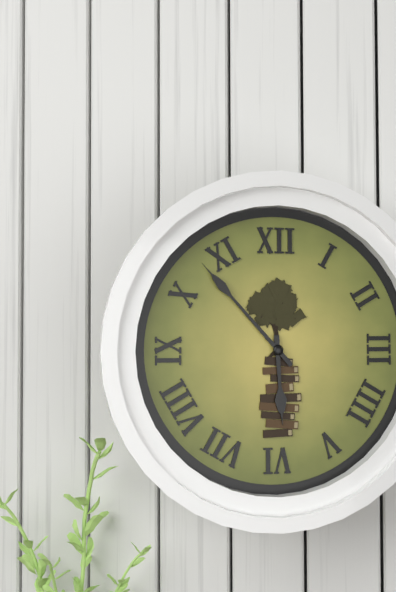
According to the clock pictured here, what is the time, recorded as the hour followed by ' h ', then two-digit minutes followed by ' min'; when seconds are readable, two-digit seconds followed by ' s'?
5 h 53 min
